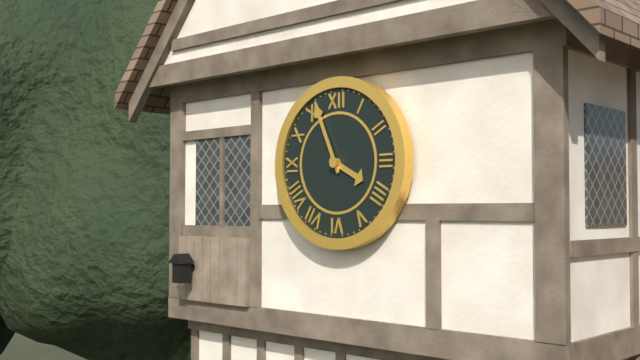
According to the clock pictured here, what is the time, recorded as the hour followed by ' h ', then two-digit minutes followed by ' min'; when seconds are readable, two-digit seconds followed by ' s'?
3 h 56 min
